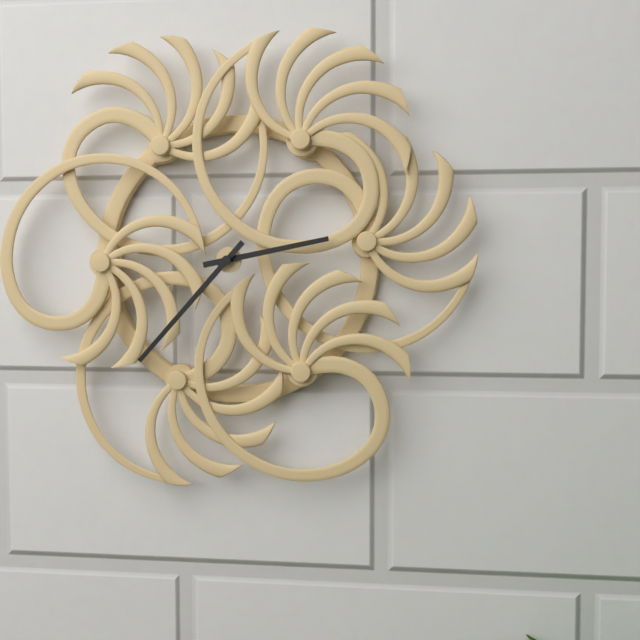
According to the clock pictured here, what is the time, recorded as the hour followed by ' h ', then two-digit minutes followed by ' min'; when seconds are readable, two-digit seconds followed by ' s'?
2 h 37 min
